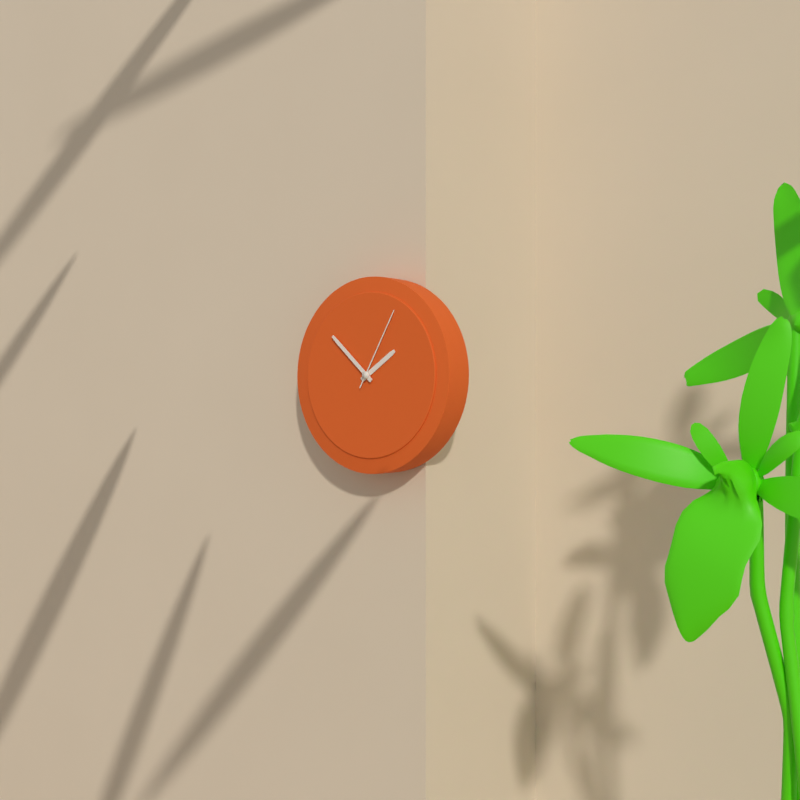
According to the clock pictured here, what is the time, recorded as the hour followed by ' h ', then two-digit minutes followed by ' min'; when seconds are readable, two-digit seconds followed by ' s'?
1 h 52 min 05 s
